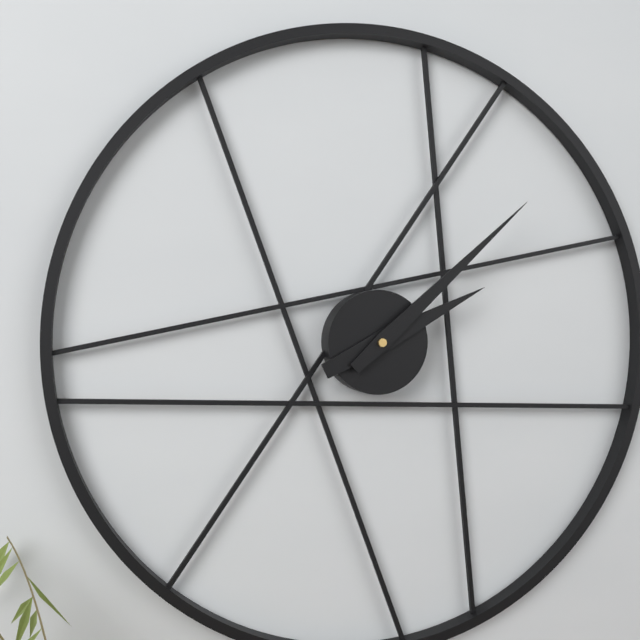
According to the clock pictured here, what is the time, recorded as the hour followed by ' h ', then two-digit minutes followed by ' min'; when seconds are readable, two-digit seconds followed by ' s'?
2 h 08 min
